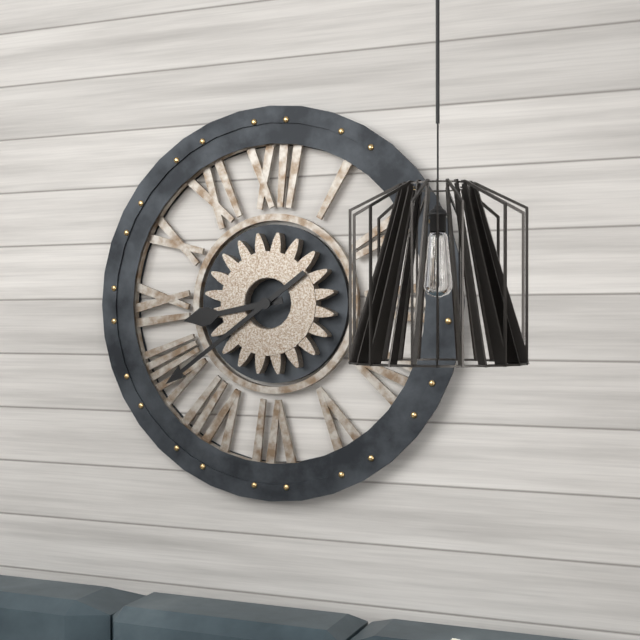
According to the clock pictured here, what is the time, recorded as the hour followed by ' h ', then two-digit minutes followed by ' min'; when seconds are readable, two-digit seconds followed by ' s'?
8 h 39 min
